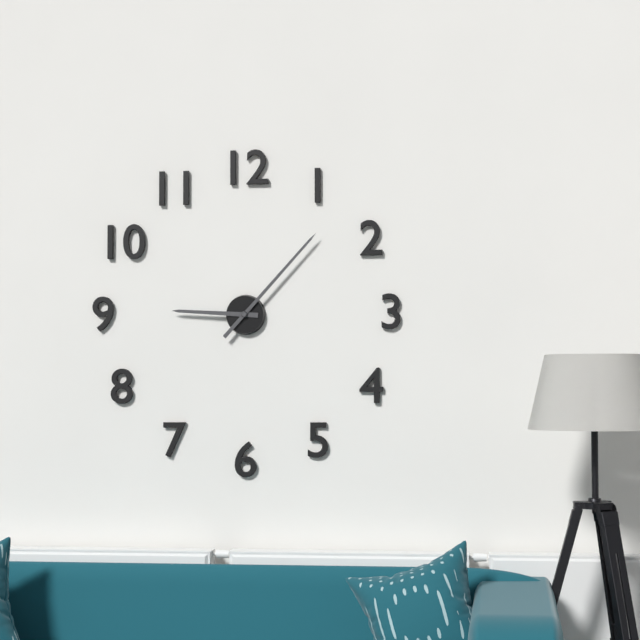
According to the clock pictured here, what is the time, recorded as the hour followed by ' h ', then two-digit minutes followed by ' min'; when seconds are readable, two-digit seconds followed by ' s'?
9 h 07 min
